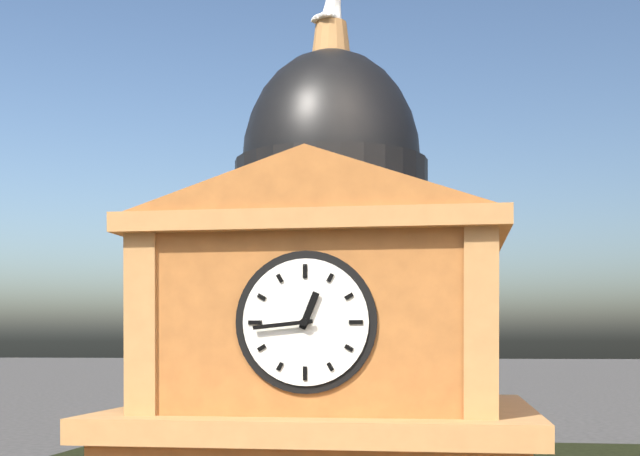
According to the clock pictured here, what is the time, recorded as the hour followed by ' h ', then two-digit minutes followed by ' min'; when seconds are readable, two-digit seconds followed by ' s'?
12 h 44 min
